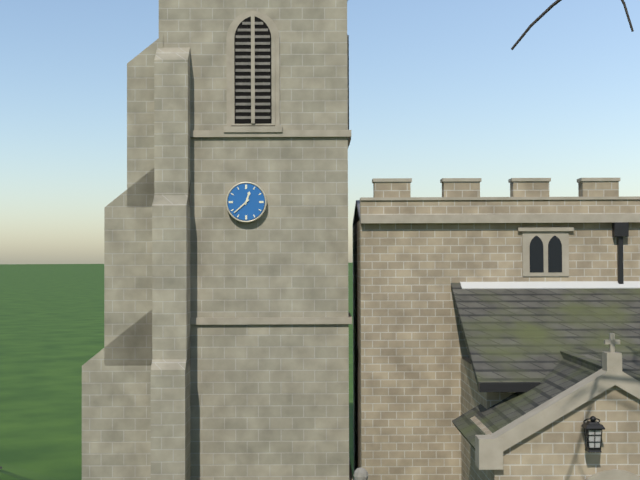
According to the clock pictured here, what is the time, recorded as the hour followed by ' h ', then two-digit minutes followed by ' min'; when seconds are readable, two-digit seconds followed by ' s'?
12 h 38 min
